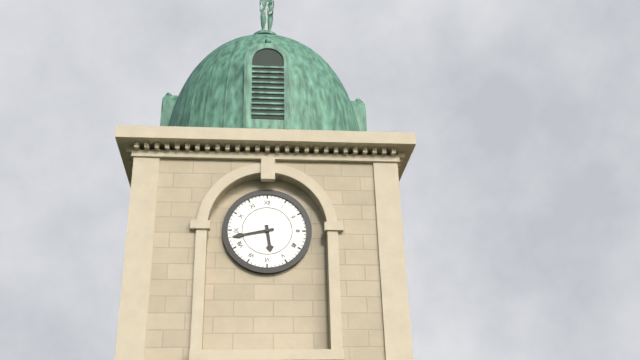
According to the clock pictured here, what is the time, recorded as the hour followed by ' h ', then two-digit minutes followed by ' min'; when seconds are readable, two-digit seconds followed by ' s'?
5 h 43 min
